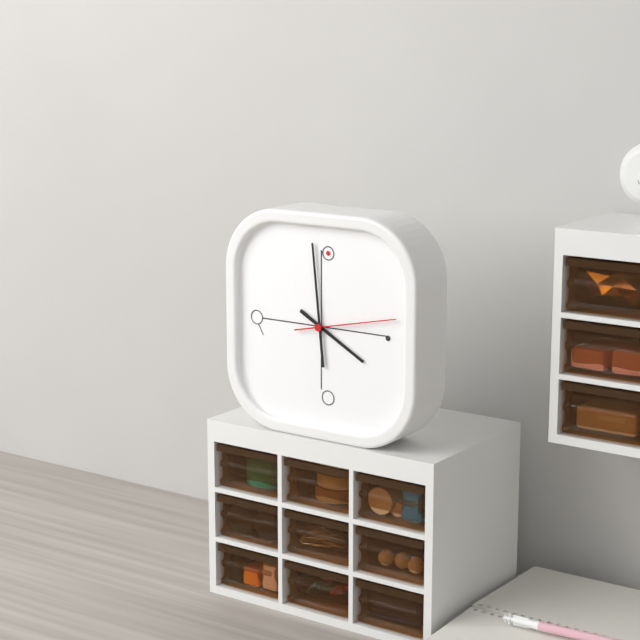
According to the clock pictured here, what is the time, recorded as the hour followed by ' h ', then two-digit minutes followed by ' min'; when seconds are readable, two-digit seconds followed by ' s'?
3 h 59 min 13 s
